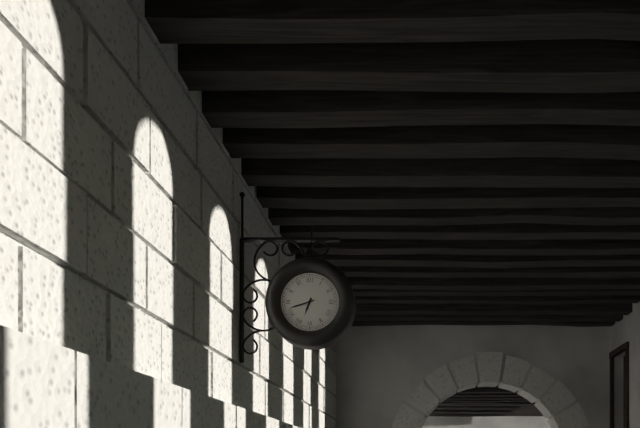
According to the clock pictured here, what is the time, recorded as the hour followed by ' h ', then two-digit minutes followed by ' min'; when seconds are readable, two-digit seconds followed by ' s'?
6 h 42 min
